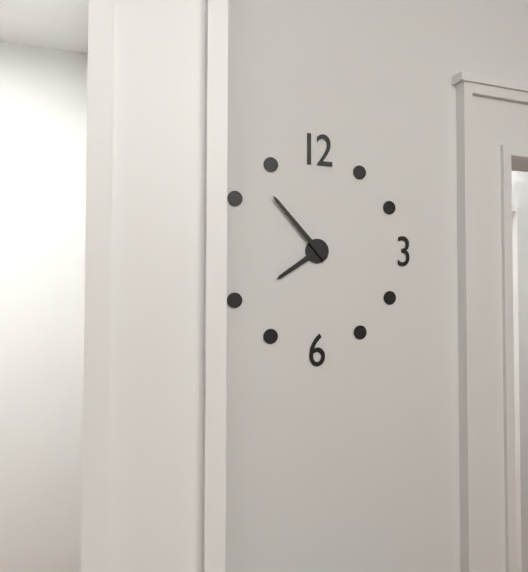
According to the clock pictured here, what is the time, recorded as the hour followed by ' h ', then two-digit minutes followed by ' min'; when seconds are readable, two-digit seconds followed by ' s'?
7 h 53 min
